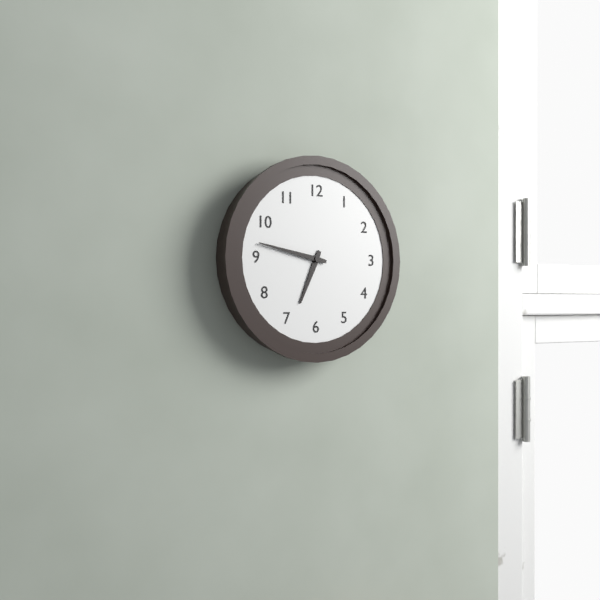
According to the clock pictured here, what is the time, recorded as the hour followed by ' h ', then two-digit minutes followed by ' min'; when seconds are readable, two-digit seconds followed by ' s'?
6 h 47 min
